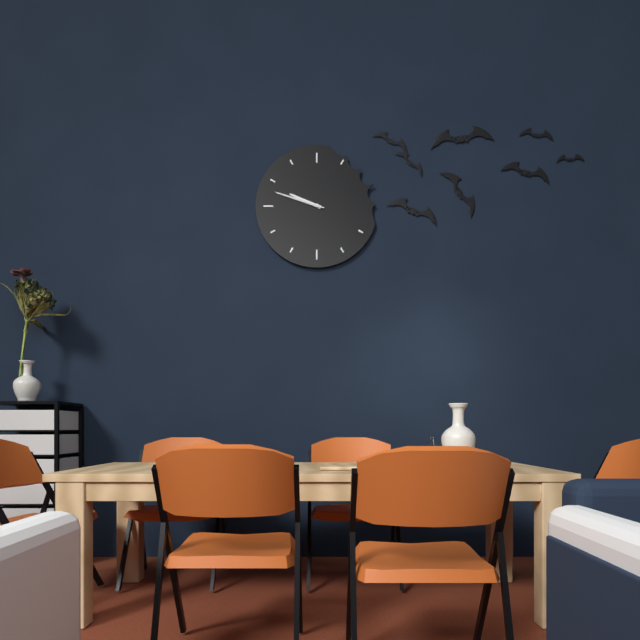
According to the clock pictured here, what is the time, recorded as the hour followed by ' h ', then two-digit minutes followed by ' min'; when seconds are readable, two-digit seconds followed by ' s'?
9 h 48 min 48 s
